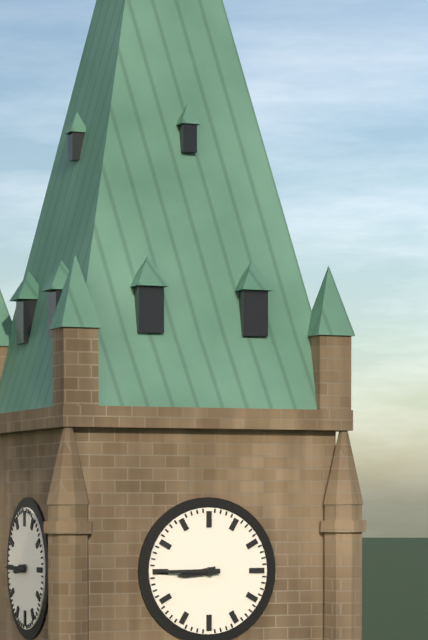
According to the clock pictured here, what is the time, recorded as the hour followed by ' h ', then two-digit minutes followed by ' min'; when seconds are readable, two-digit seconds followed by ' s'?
8 h 45 min
